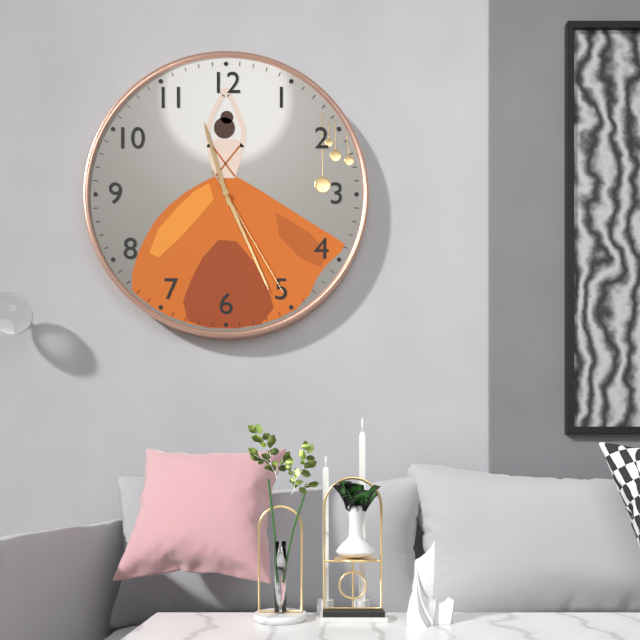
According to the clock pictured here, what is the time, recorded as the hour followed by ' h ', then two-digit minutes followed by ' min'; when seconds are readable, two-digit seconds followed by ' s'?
11 h 26 min 25 s
